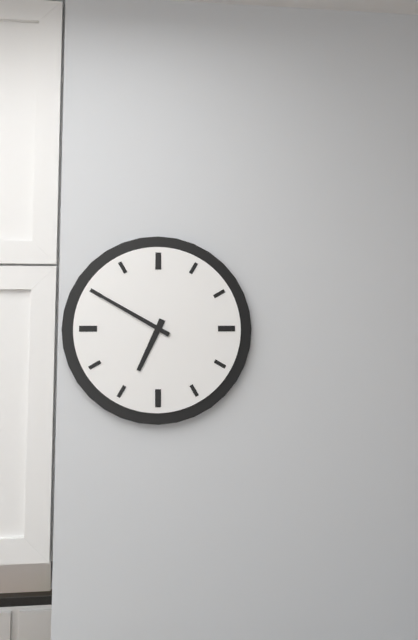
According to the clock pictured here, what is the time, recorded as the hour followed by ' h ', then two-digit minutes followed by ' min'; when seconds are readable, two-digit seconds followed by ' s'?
6 h 50 min
